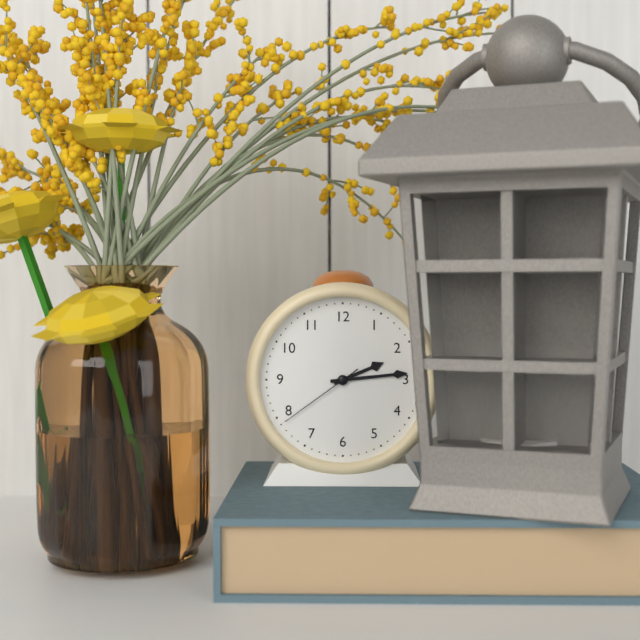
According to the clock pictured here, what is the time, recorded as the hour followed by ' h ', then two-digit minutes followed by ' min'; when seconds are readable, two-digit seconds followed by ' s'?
2 h 14 min 39 s
